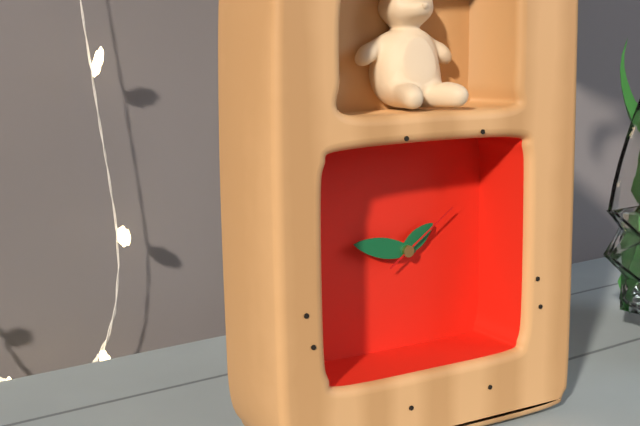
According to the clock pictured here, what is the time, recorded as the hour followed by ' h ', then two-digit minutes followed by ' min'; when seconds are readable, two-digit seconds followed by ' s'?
1 h 47 min 09 s
